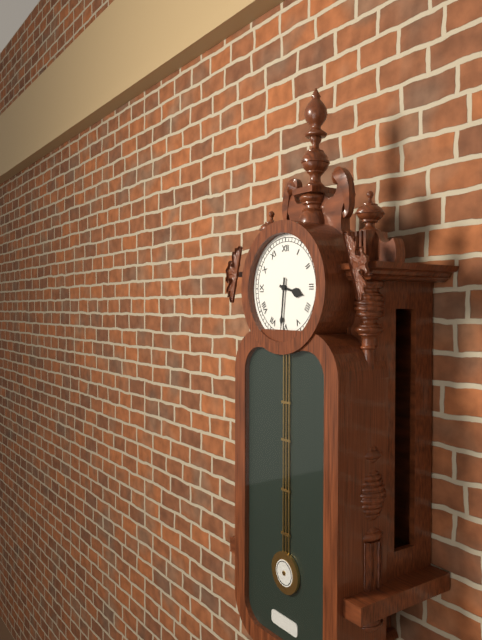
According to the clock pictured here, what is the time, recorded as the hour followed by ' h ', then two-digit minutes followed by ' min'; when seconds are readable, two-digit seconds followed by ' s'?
3 h 31 min
